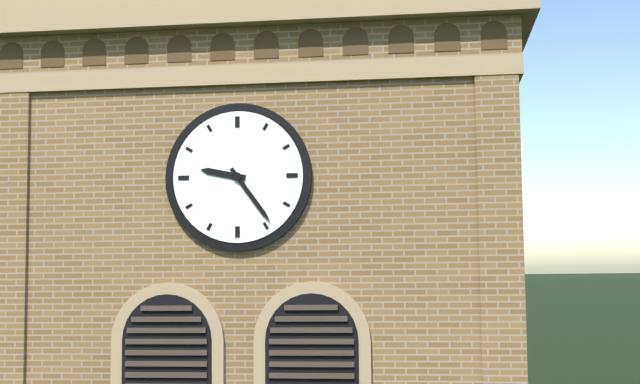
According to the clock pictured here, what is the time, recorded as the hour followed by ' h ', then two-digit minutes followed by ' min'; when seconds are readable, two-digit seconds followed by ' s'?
9 h 24 min
